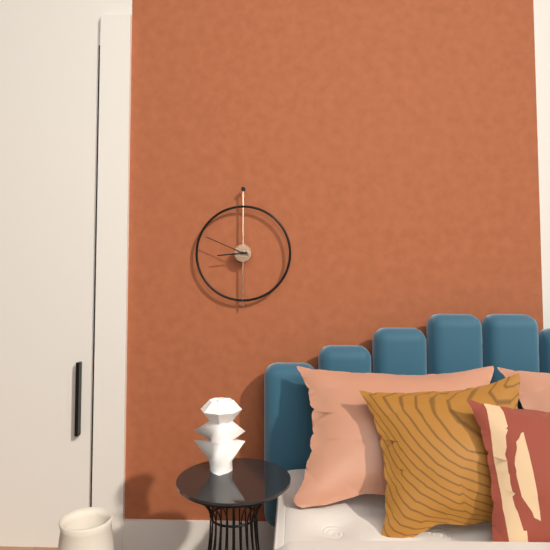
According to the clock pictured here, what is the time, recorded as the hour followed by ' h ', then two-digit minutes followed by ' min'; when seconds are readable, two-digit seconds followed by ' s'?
8 h 49 min
